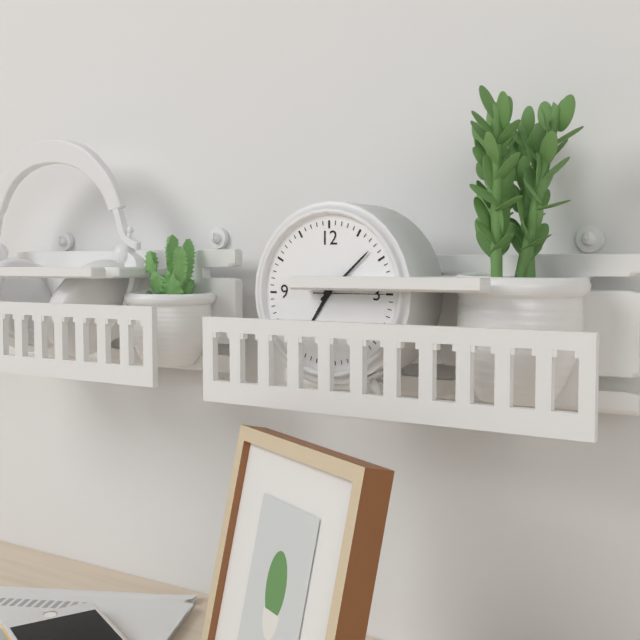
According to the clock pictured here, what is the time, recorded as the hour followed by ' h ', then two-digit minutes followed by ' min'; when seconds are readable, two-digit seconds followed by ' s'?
7 h 08 min 15 s
